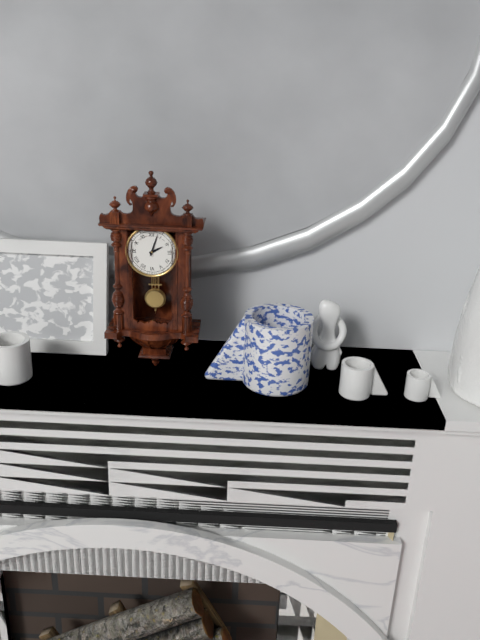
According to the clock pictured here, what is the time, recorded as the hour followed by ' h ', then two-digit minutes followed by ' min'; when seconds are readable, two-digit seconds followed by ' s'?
2 h 03 min
